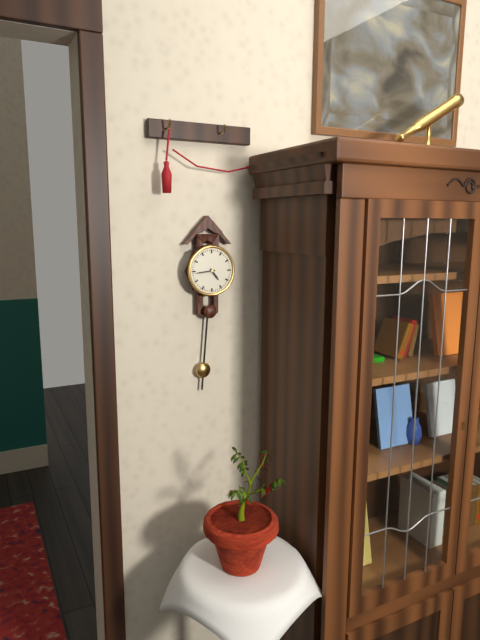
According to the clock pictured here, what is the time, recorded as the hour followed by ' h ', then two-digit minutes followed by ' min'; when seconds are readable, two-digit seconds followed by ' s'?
4 h 44 min
